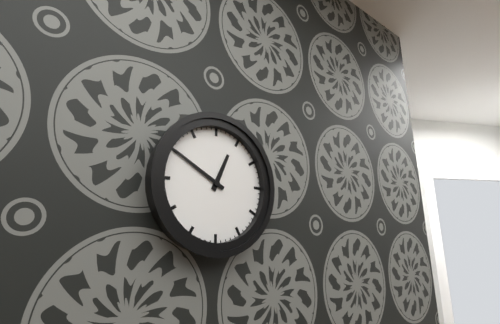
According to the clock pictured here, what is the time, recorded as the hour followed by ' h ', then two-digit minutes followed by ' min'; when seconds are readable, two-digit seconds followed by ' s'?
12 h 50 min
